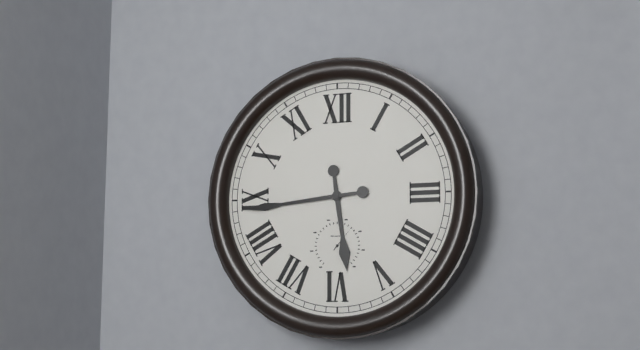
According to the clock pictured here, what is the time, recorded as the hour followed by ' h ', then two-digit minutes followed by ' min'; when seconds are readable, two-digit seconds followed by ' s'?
5 h 44 min
